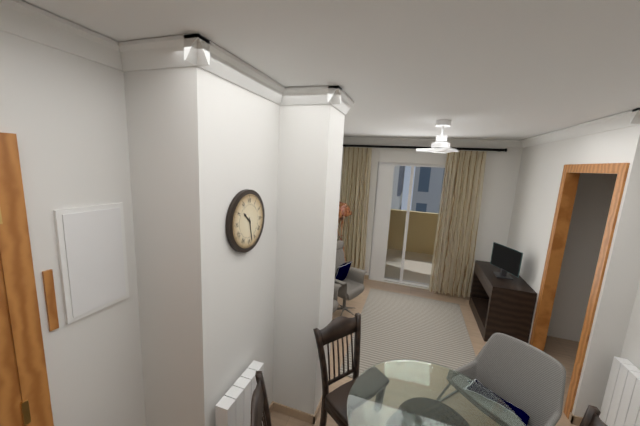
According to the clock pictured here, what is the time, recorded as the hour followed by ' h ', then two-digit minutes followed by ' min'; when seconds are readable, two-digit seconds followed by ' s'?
10 h 28 min
